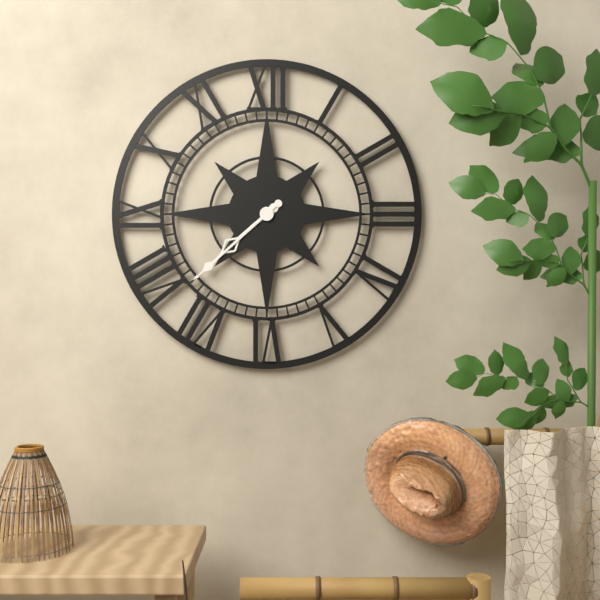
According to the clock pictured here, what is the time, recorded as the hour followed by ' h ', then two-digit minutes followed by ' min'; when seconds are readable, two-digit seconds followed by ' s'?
7 h 38 min
